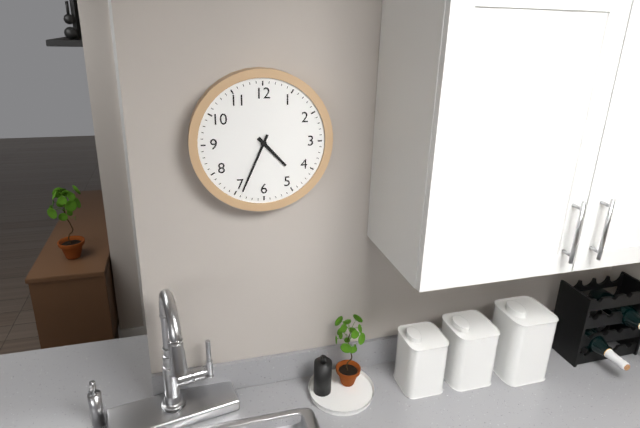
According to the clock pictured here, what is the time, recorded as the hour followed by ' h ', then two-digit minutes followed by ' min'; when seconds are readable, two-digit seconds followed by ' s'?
4 h 34 min
